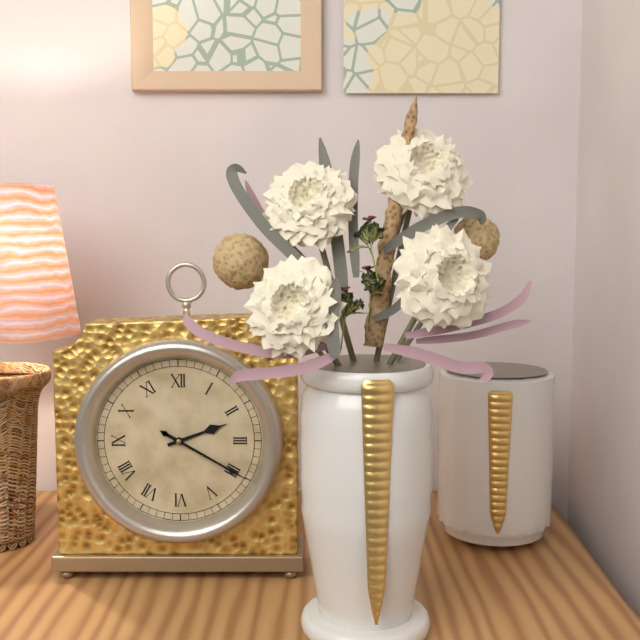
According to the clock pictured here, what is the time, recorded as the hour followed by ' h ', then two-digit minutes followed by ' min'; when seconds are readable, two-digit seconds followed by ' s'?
2 h 20 min
